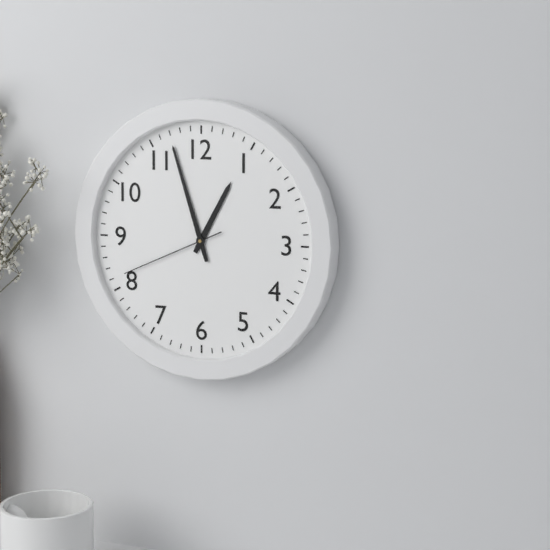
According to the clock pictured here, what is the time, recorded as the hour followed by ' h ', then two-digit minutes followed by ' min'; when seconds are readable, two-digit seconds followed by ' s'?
12 h 57 min 41 s
